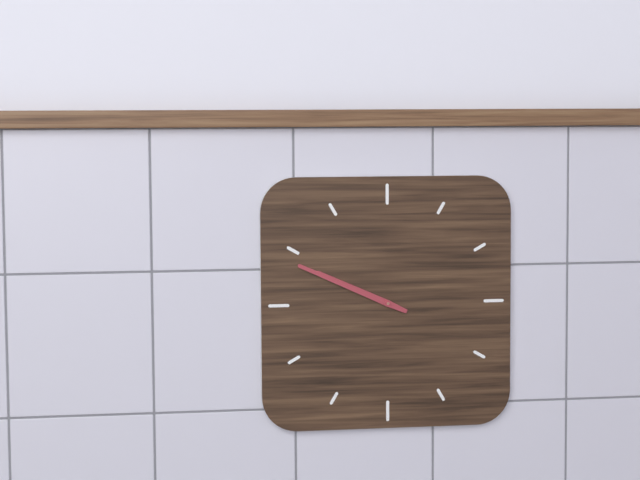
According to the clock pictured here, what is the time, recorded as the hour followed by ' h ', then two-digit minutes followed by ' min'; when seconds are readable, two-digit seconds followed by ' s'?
9 h 49 min
